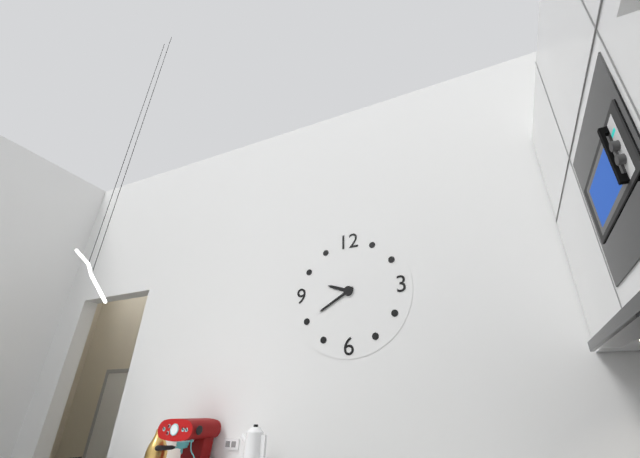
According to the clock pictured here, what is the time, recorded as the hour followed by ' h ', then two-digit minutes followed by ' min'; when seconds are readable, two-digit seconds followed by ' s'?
9 h 40 min
